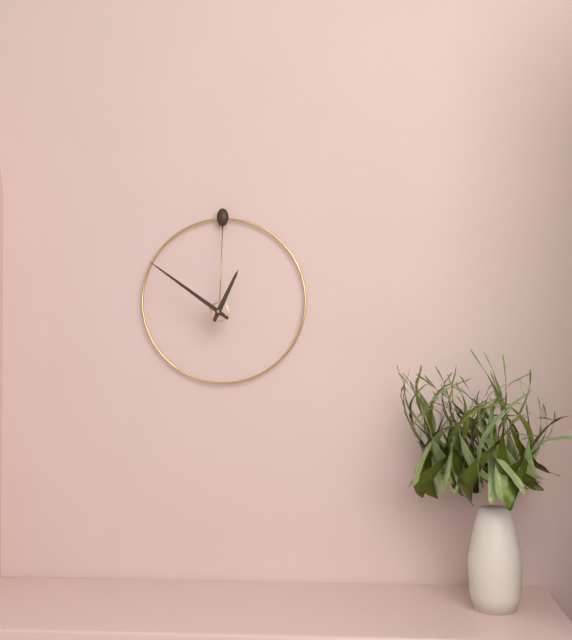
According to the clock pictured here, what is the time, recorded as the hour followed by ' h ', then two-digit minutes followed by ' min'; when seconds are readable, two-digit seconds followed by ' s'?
12 h 51 min
